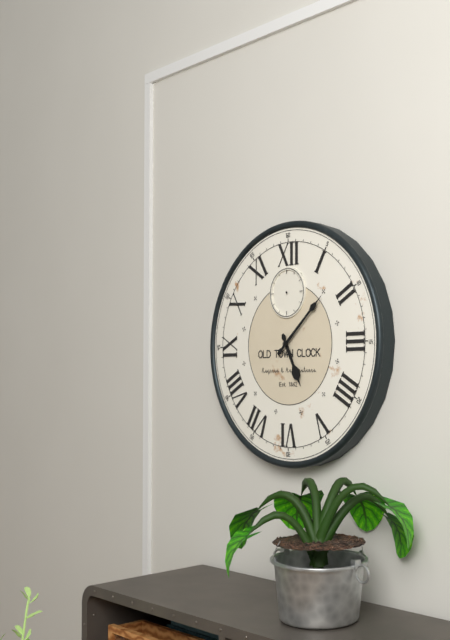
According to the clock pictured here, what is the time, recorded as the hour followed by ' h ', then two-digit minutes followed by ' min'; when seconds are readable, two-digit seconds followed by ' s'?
5 h 08 min
